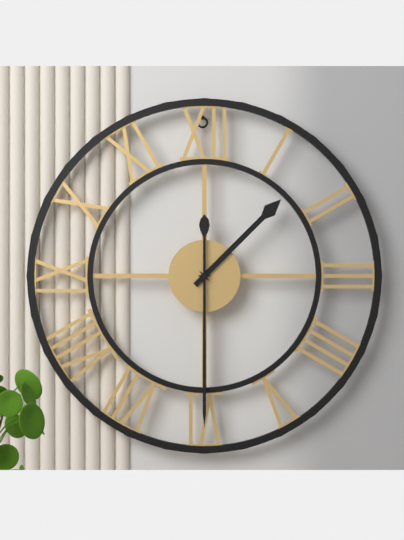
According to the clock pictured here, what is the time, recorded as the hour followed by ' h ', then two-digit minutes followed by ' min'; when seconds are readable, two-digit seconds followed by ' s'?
1 h 30 min
